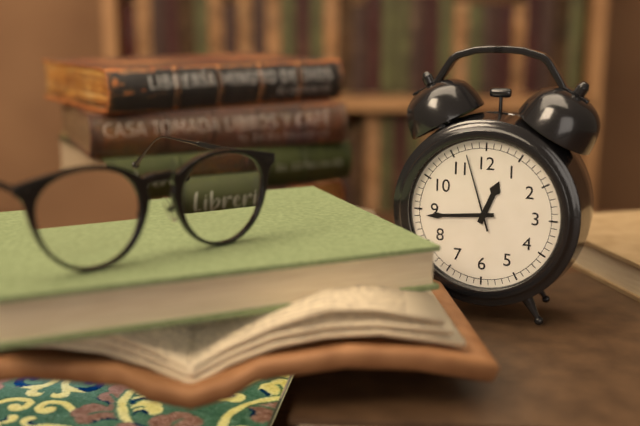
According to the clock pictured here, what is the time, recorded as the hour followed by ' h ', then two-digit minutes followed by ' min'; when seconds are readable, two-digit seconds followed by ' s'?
12 h 44 min 57 s
